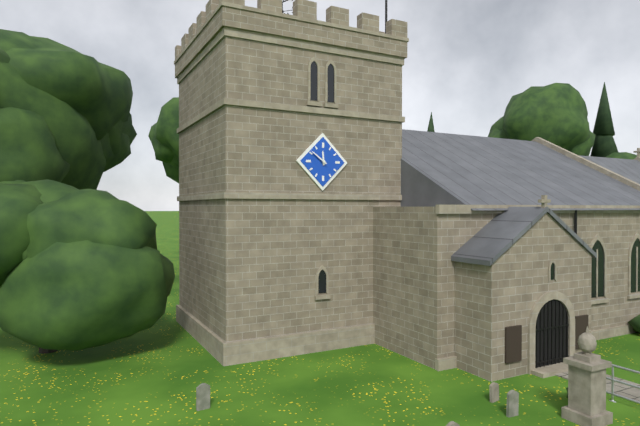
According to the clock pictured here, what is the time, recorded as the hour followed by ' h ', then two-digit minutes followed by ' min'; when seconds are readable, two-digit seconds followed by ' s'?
11 h 51 min
